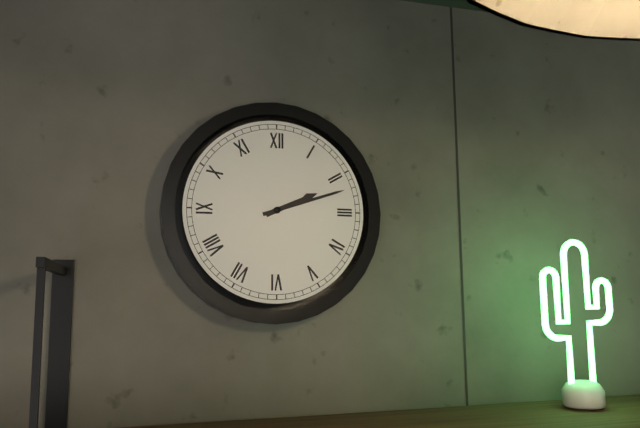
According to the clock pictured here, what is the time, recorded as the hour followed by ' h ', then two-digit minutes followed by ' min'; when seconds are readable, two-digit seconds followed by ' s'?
2 h 12 min
